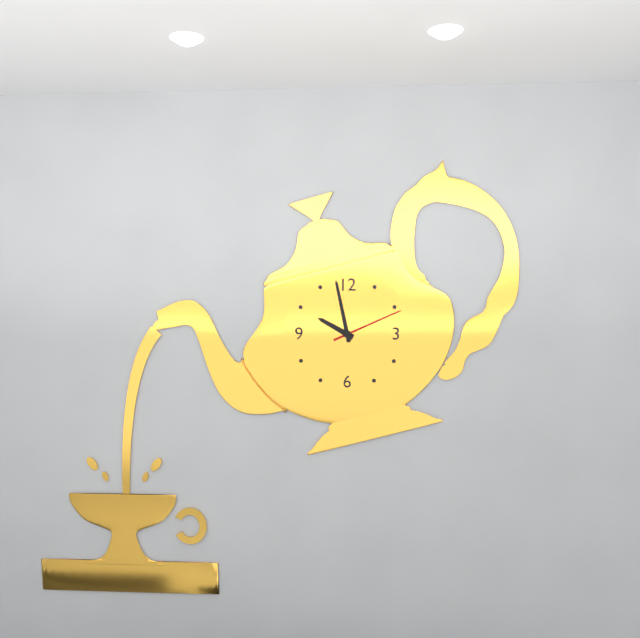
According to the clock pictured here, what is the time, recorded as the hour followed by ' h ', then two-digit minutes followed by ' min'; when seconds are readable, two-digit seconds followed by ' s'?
9 h 58 min 11 s
